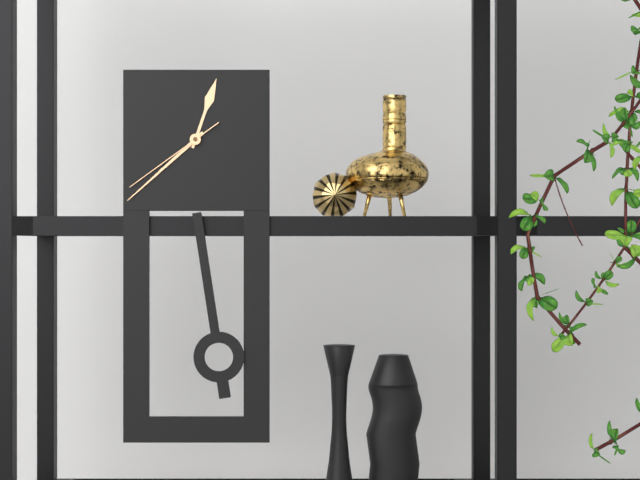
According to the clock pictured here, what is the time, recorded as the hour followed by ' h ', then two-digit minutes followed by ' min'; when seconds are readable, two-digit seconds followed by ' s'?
12 h 38 min 39 s
